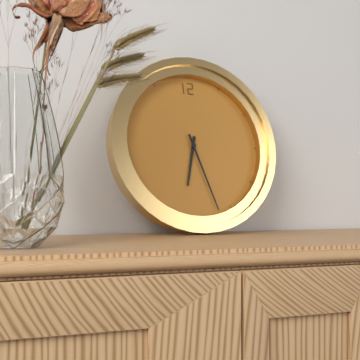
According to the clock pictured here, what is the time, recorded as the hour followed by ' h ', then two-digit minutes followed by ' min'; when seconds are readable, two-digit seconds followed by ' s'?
6 h 27 min
